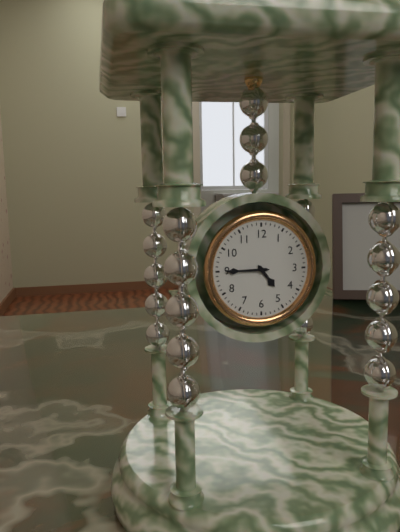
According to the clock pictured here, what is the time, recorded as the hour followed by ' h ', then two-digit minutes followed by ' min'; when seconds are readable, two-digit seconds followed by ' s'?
4 h 45 min
